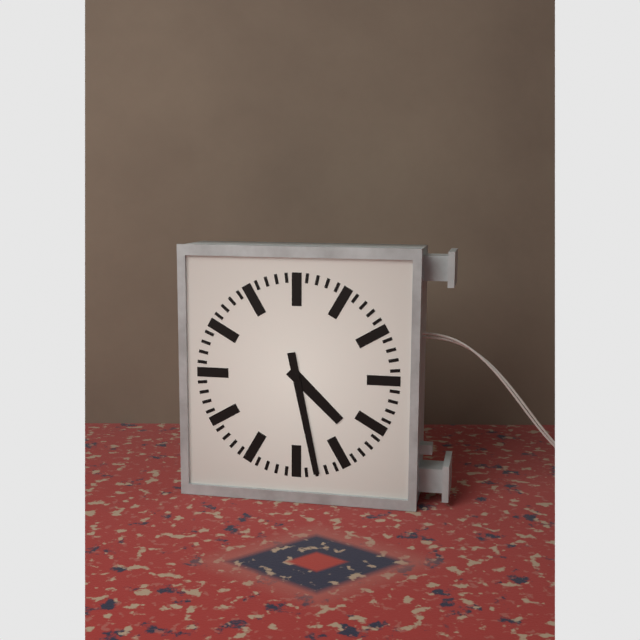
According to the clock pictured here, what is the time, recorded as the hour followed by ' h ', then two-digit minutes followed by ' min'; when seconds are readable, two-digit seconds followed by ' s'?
4 h 28 min
